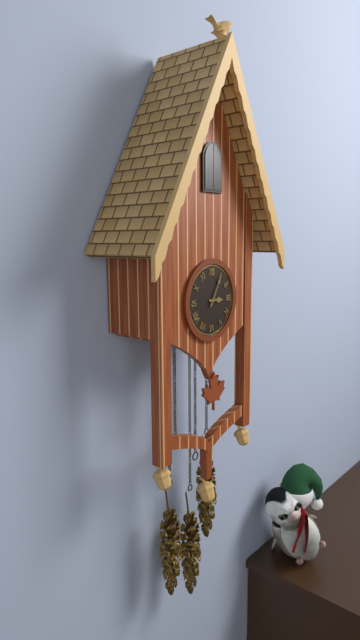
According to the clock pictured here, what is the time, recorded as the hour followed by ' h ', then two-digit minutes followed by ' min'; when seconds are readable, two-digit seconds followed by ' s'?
3 h 05 min
